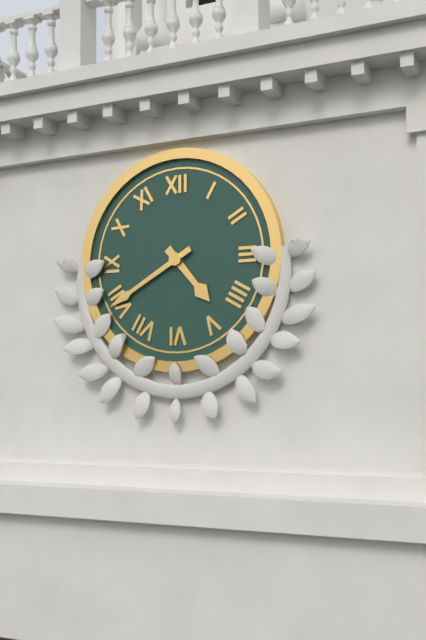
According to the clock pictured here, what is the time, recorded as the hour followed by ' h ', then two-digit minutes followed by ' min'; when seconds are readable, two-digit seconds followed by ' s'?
4 h 40 min
